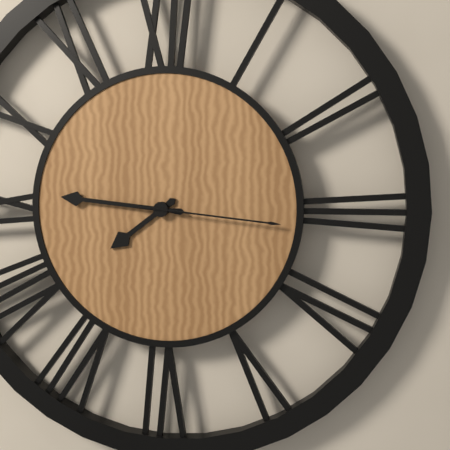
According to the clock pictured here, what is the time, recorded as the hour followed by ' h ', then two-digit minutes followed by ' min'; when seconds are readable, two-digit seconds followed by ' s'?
7 h 46 min 16 s
